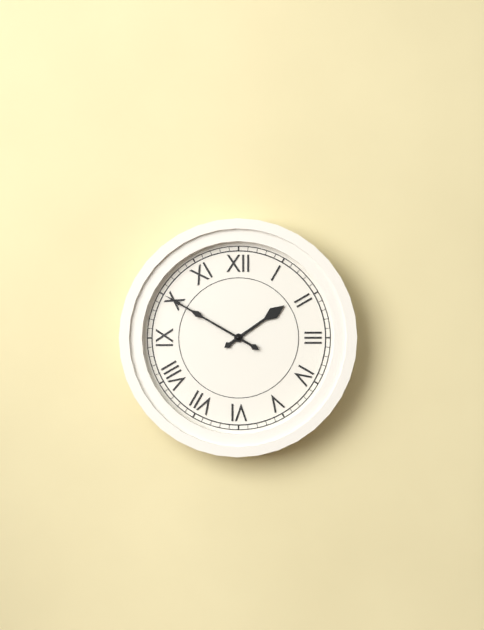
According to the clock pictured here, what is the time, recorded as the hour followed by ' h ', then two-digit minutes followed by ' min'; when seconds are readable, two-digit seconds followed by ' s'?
1 h 50 min
